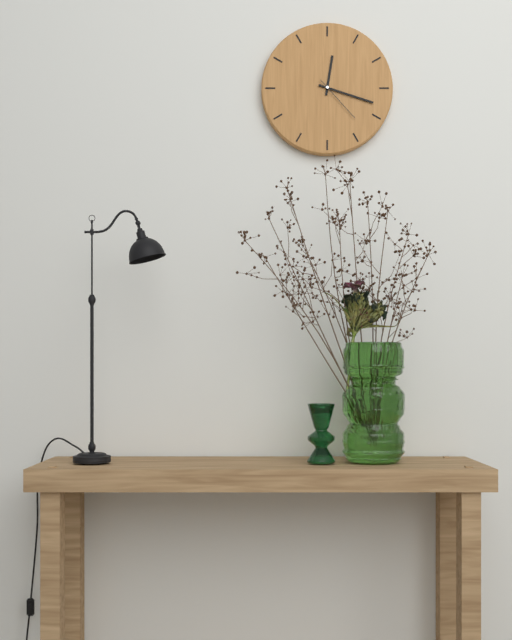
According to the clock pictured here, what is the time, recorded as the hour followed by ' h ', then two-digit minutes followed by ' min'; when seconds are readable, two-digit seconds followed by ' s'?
12 h 18 min
